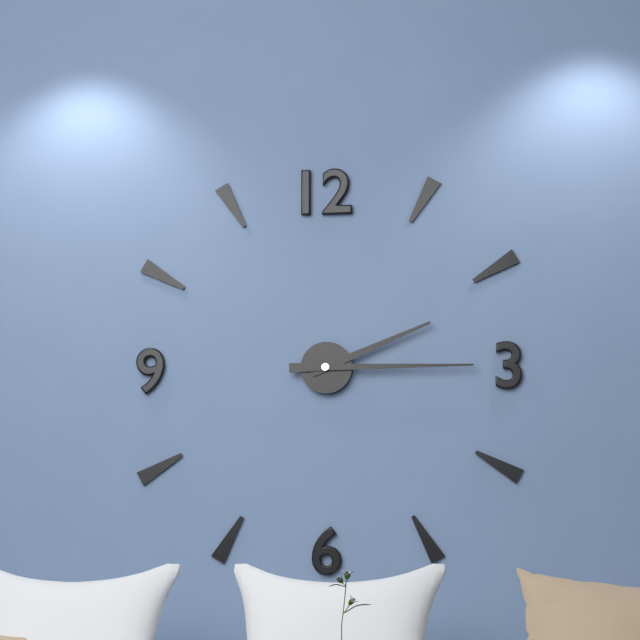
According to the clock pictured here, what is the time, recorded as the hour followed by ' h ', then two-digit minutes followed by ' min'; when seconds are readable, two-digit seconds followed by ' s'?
2 h 15 min
